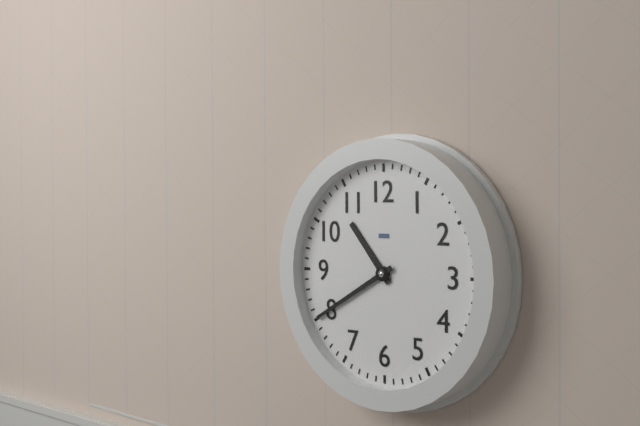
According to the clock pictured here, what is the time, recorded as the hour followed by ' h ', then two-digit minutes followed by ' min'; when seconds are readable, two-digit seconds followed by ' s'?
10 h 40 min
